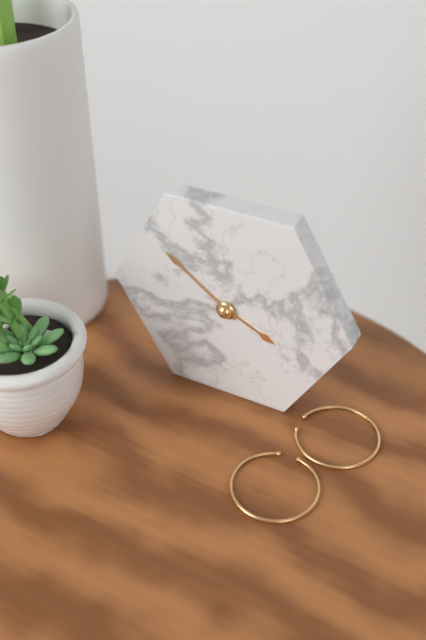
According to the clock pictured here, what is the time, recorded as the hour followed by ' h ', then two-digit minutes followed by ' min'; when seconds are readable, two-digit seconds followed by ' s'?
3 h 51 min
